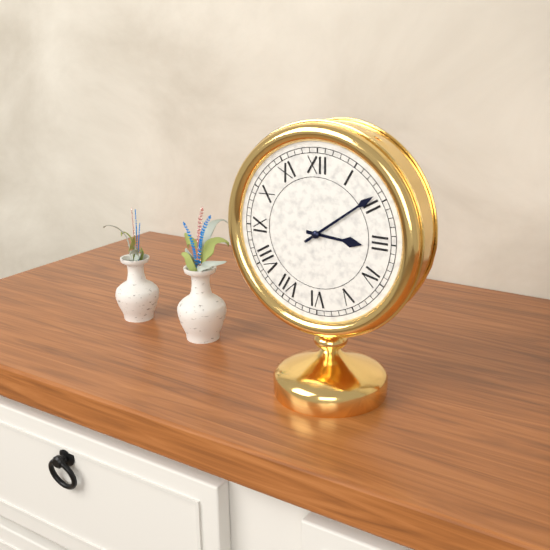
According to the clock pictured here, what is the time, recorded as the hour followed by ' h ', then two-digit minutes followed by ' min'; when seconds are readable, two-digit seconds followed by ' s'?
3 h 09 min
